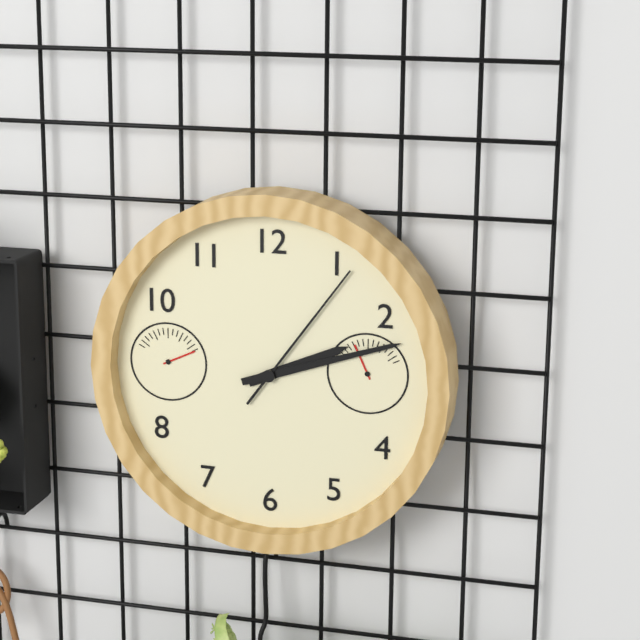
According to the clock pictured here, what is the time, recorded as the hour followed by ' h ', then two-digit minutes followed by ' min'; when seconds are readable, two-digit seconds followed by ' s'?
2 h 12 min 06 s
